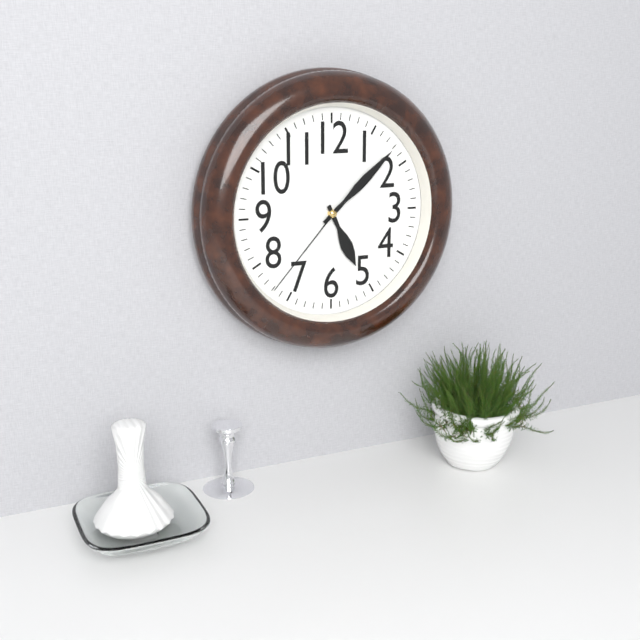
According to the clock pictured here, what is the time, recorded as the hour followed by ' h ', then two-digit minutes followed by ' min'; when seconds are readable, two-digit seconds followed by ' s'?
5 h 08 min 37 s
